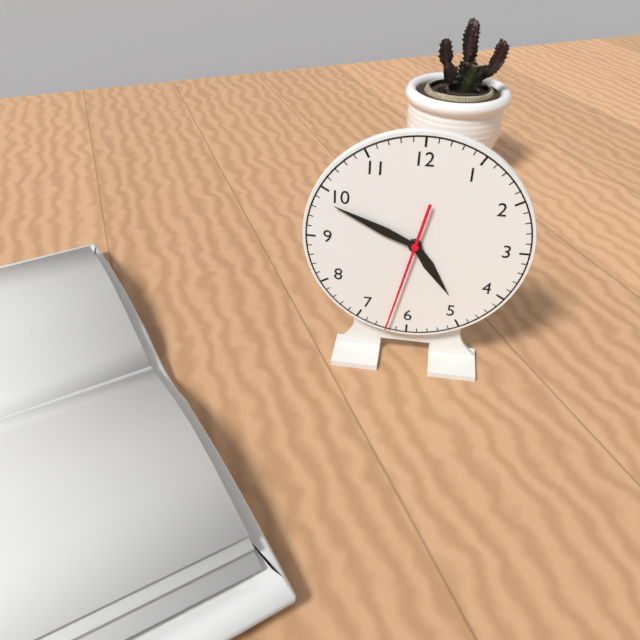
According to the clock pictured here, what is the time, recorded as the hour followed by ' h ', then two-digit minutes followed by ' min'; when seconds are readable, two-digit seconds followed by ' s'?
4 h 49 min 32 s
